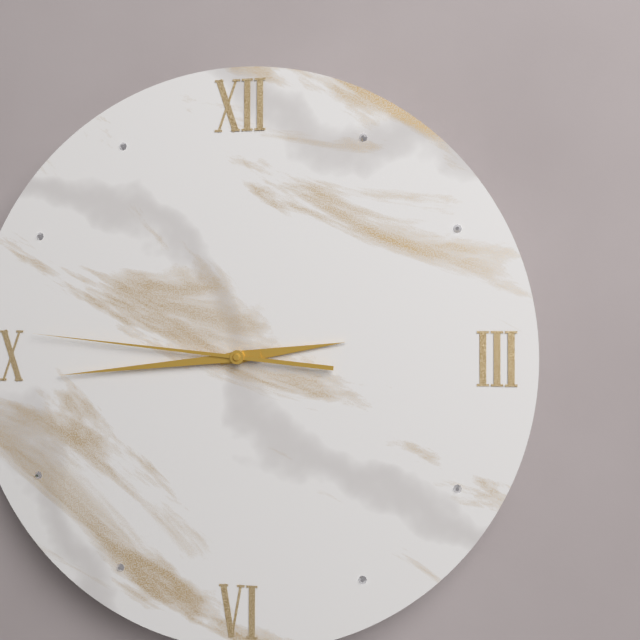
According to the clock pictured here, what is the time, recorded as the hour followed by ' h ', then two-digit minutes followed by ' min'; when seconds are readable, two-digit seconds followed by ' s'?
2 h 44 min 46 s
